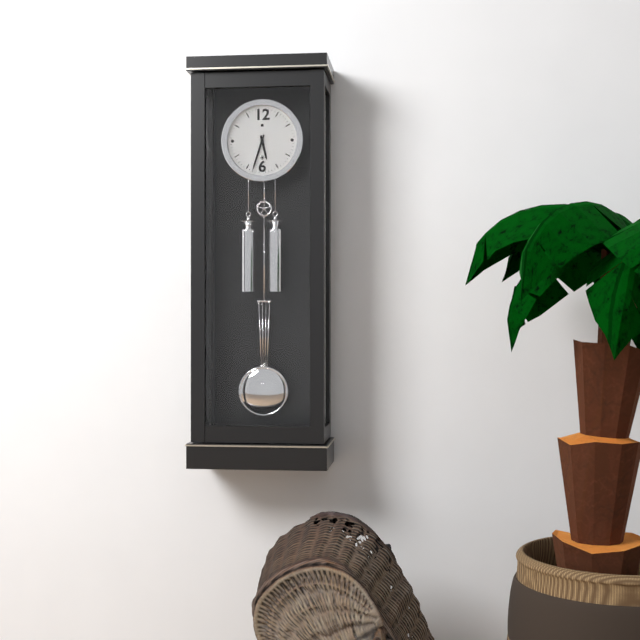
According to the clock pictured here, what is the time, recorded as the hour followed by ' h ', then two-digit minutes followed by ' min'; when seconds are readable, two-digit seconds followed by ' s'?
5 h 33 min
